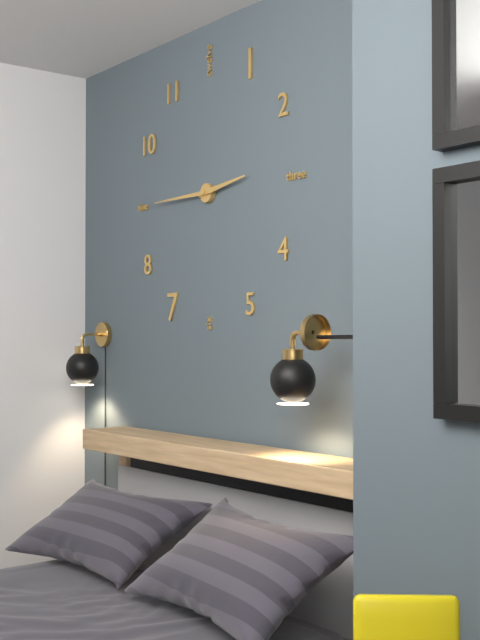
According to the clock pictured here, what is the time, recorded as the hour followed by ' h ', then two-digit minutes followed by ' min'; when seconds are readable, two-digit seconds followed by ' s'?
2 h 45 min
